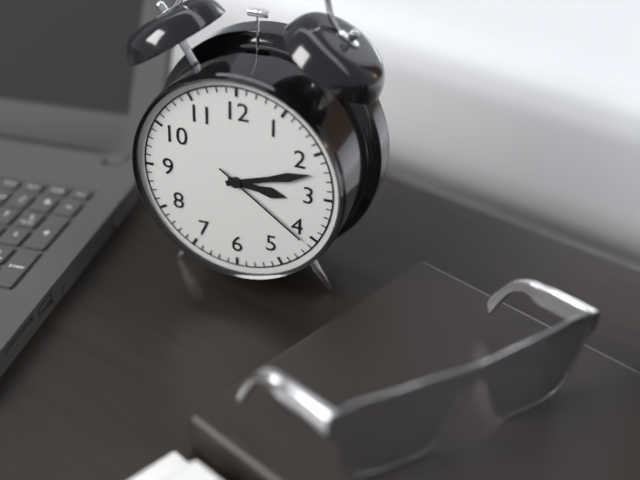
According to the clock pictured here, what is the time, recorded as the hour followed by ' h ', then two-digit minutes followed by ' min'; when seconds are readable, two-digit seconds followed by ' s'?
3 h 12 min 21 s
